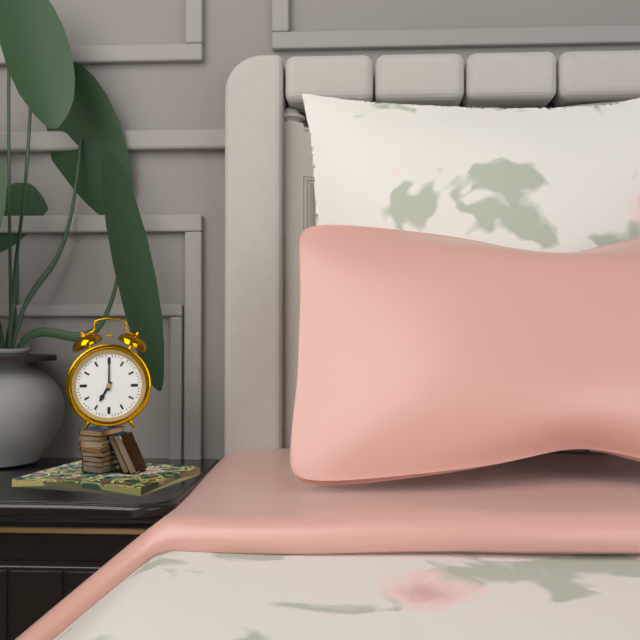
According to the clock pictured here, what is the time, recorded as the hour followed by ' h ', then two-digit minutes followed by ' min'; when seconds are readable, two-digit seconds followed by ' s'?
7 h 00 min
